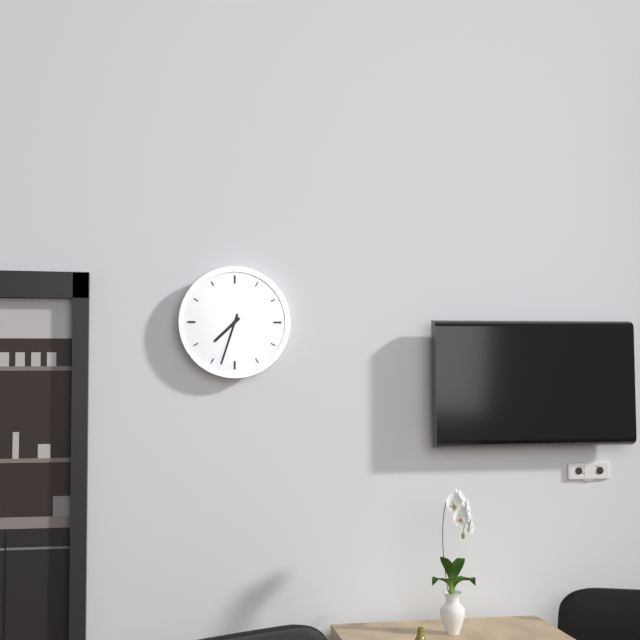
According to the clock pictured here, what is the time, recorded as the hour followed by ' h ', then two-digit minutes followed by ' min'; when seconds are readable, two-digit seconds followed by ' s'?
7 h 33 min
